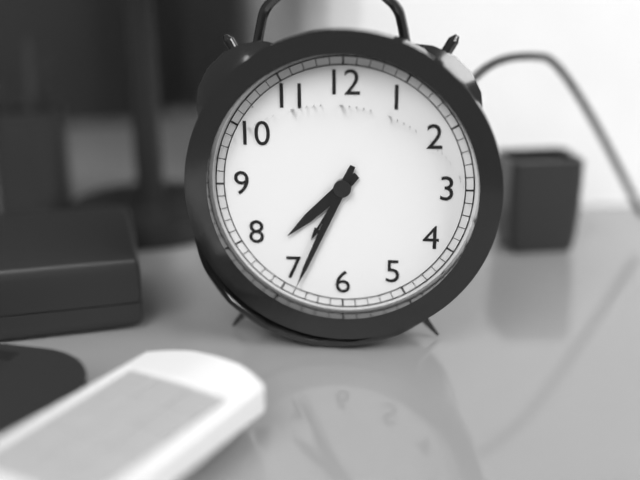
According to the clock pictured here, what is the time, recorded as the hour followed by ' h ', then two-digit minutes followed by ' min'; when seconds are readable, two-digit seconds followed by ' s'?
7 h 34 min
